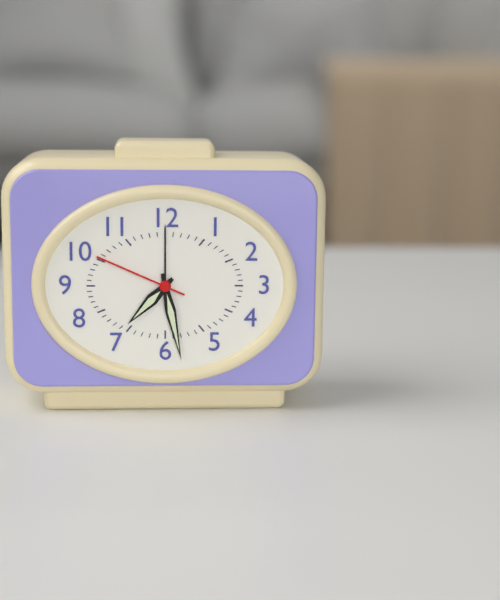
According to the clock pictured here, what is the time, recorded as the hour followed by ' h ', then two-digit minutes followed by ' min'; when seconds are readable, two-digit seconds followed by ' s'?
7 h 28 min 49 s
